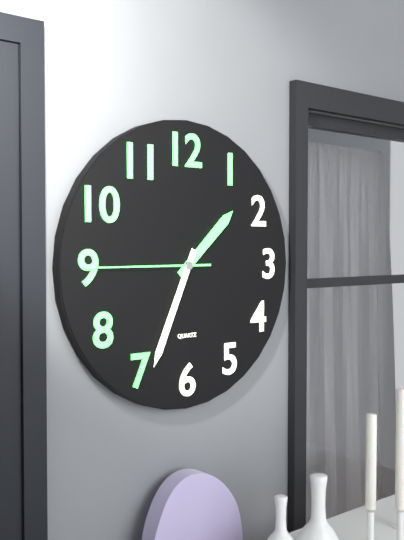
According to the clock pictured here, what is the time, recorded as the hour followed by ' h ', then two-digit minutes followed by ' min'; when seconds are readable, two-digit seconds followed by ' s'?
1 h 34 min 45 s
